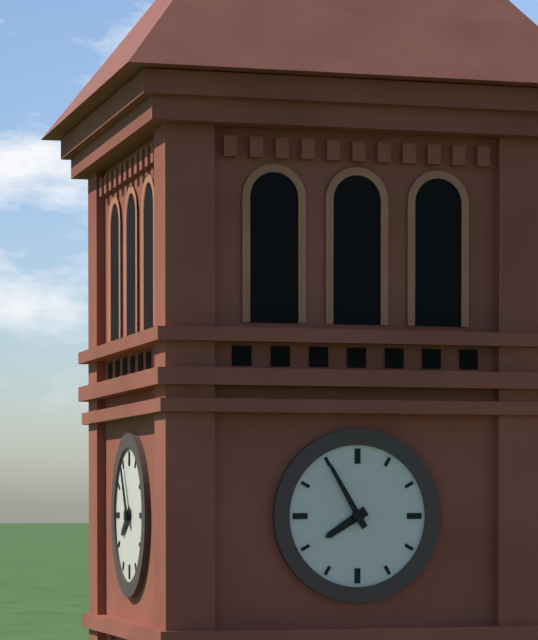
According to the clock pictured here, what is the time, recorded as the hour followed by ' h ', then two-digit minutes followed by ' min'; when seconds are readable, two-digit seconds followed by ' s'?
7 h 55 min
